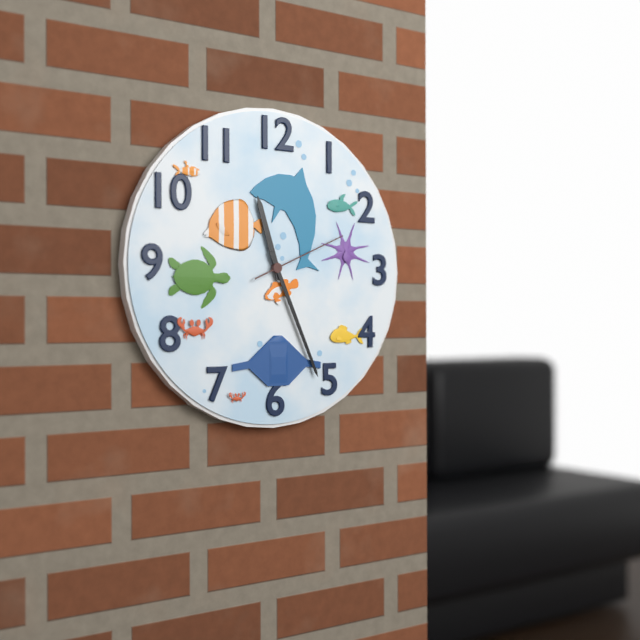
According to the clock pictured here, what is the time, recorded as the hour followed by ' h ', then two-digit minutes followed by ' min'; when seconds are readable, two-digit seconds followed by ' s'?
11 h 26 min 11 s
